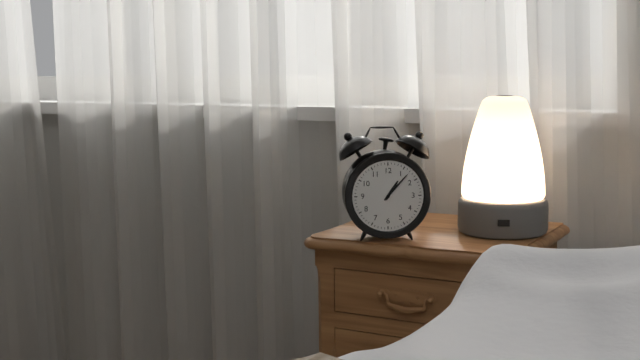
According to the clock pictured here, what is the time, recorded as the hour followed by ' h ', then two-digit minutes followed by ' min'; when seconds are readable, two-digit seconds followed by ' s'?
1 h 07 min
